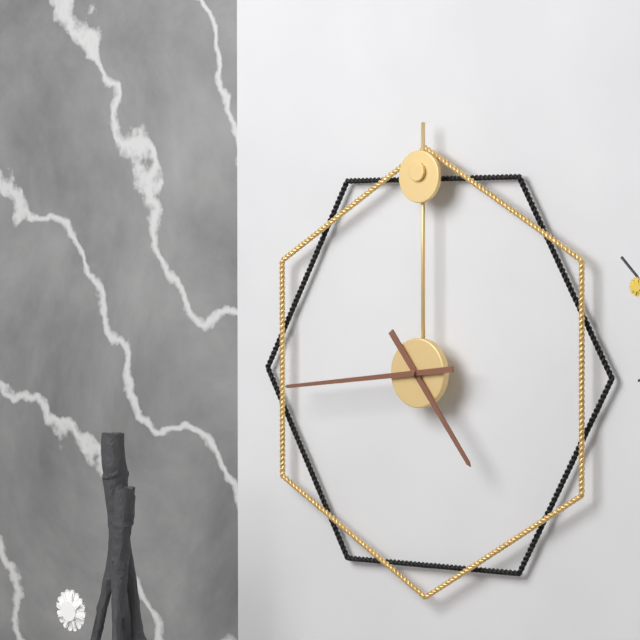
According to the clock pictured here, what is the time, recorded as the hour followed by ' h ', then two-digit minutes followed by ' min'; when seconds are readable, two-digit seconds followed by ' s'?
4 h 44 min
